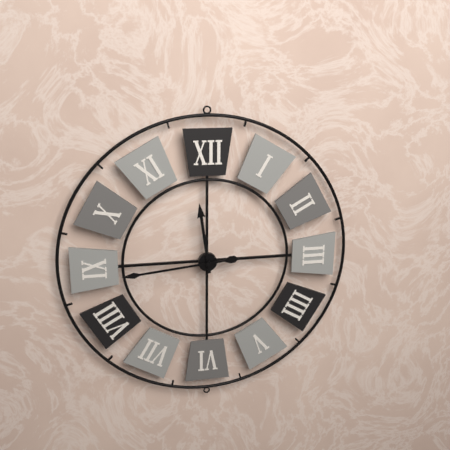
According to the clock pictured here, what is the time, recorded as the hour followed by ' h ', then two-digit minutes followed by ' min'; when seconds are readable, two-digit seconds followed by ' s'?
11 h 44 min
